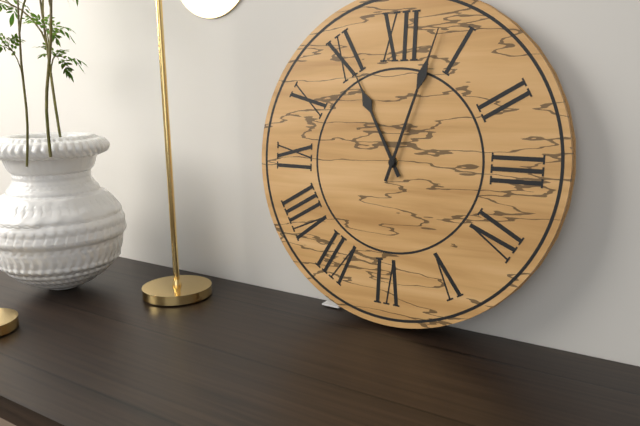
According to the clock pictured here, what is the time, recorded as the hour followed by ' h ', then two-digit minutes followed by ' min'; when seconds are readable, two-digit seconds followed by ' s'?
11 h 03 min
